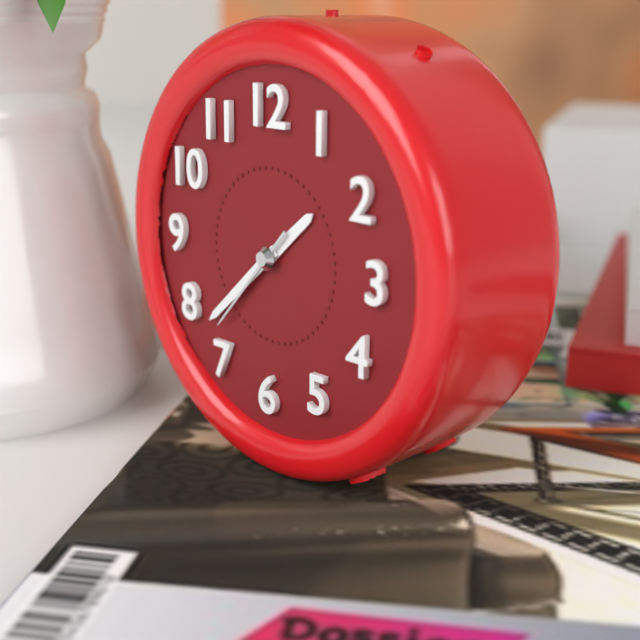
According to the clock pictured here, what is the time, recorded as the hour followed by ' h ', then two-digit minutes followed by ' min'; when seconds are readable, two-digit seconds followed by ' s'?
1 h 38 min 37 s
